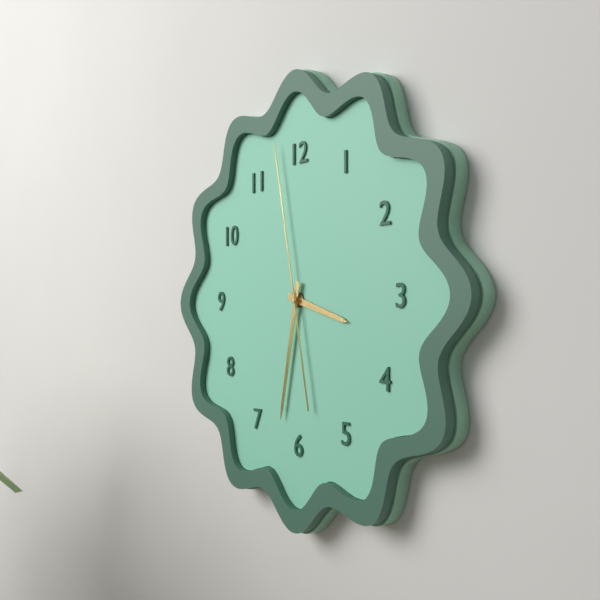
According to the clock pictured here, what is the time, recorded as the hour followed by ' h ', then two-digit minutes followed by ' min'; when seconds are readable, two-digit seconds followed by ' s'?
3 h 32 min 58 s
